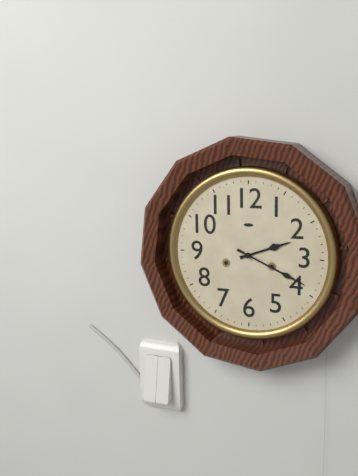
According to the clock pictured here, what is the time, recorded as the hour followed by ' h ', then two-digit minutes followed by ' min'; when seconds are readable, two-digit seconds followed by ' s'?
2 h 19 min
